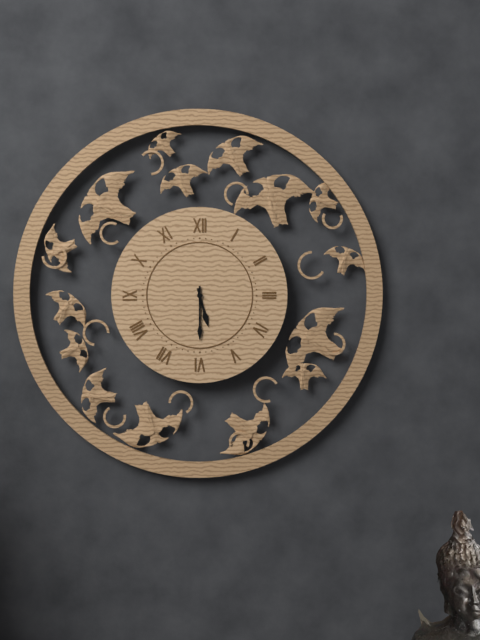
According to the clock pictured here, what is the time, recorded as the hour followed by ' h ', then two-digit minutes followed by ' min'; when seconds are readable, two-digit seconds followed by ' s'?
5 h 30 min
